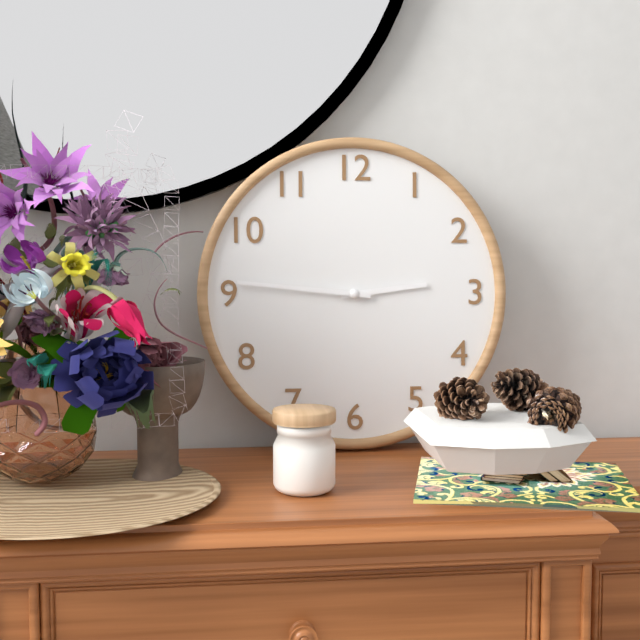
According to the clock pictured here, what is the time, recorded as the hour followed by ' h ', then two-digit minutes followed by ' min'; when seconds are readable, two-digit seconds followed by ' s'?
2 h 46 min
